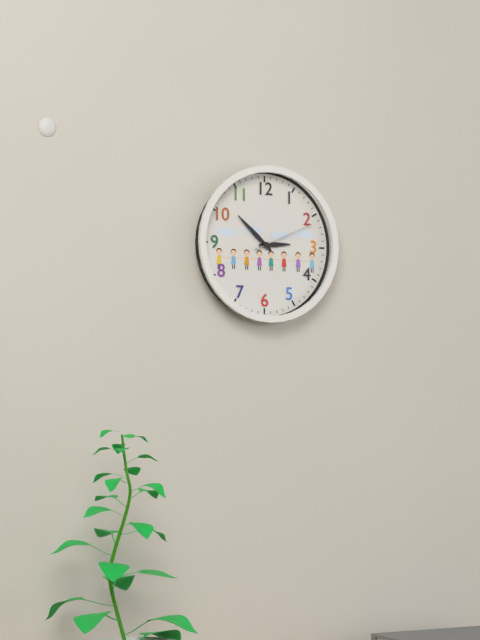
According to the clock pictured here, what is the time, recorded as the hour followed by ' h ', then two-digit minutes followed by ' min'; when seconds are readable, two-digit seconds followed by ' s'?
2 h 52 min 11 s
